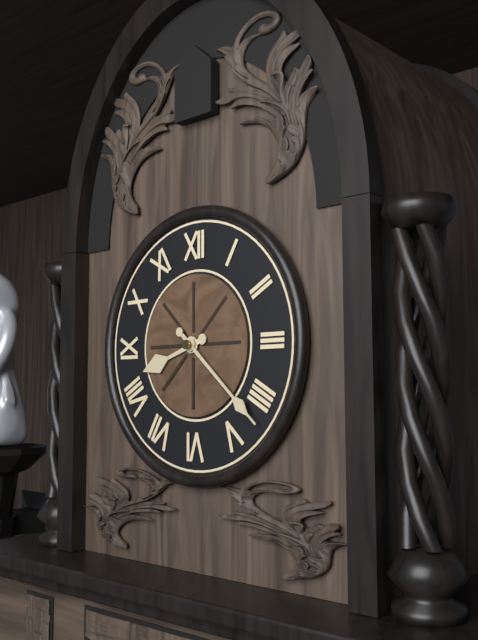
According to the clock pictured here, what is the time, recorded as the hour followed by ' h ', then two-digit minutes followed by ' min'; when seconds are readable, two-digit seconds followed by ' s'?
8 h 22 min
